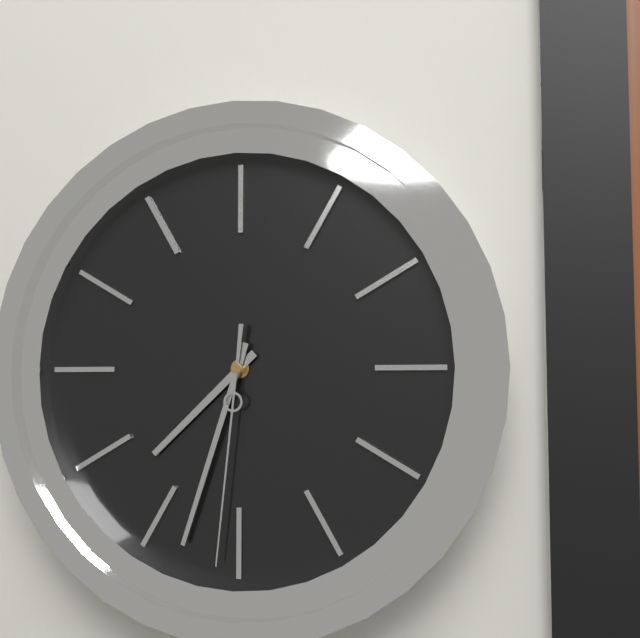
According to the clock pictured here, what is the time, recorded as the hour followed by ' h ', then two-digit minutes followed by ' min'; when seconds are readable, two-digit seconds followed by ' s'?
7 h 33 min 31 s
